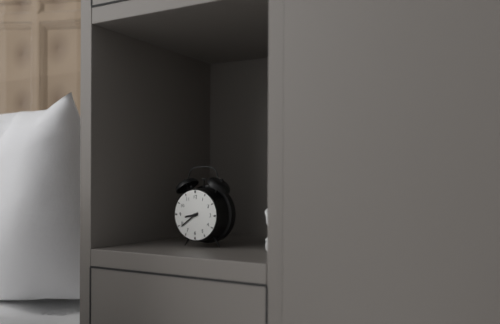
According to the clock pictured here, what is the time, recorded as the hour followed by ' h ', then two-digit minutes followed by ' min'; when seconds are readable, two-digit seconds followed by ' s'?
8 h 39 min
